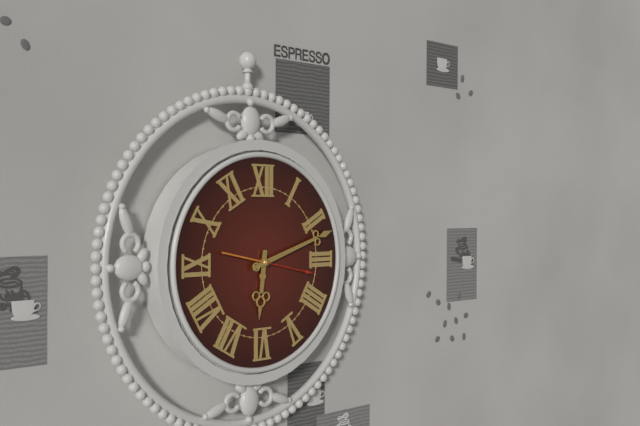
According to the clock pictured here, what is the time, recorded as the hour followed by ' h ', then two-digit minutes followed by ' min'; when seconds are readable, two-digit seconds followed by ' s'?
6 h 12 min 17 s
